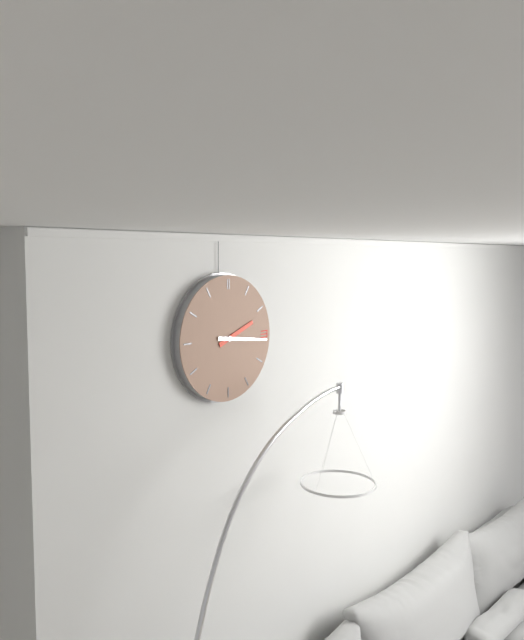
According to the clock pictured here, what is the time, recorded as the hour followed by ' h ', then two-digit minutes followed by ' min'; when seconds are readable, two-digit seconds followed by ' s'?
2 h 16 min
